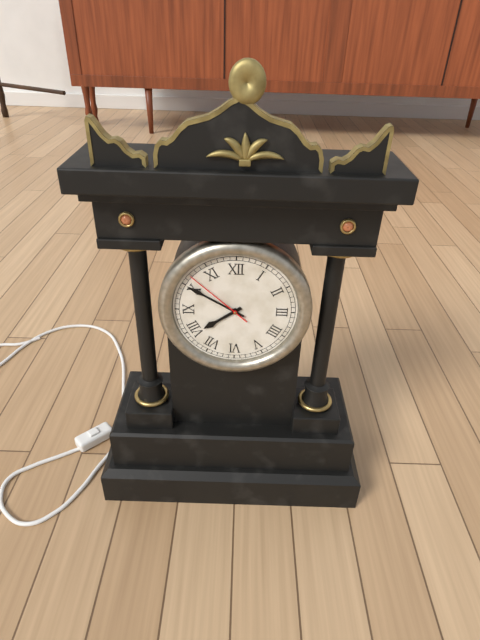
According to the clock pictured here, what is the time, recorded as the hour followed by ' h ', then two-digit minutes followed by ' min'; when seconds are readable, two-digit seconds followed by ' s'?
7 h 50 min 52 s
